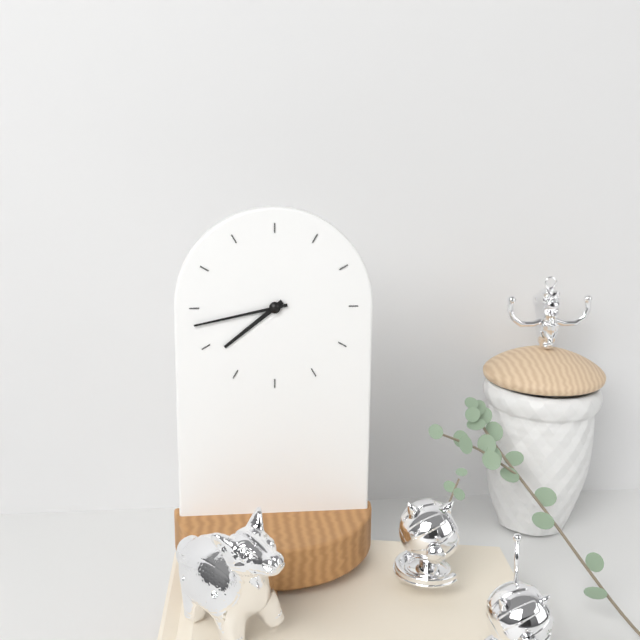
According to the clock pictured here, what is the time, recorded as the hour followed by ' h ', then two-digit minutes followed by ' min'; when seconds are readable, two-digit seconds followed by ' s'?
7 h 43 min
